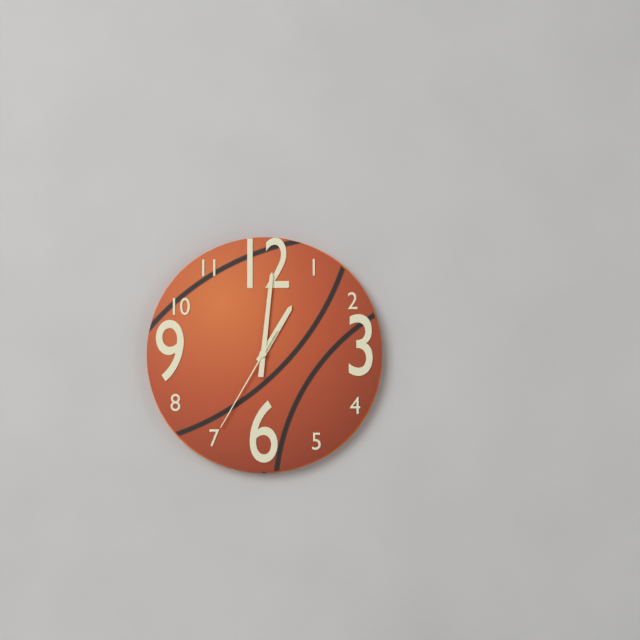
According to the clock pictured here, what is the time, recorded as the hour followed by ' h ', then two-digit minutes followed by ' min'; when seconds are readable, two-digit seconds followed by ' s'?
1 h 01 min 35 s
